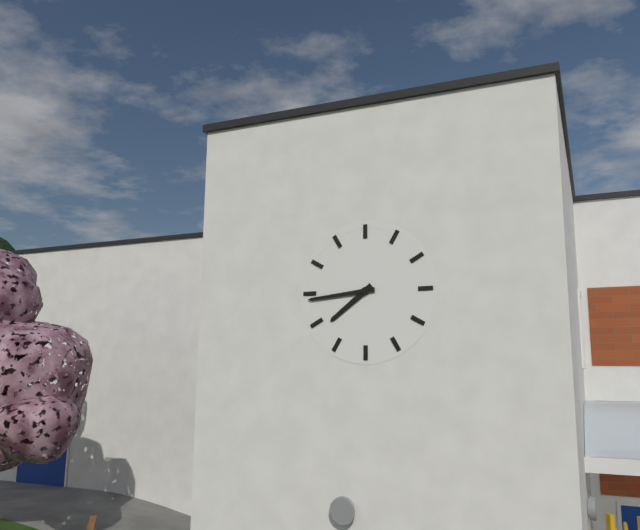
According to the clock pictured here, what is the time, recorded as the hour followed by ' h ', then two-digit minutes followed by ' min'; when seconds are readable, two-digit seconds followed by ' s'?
7 h 44 min
